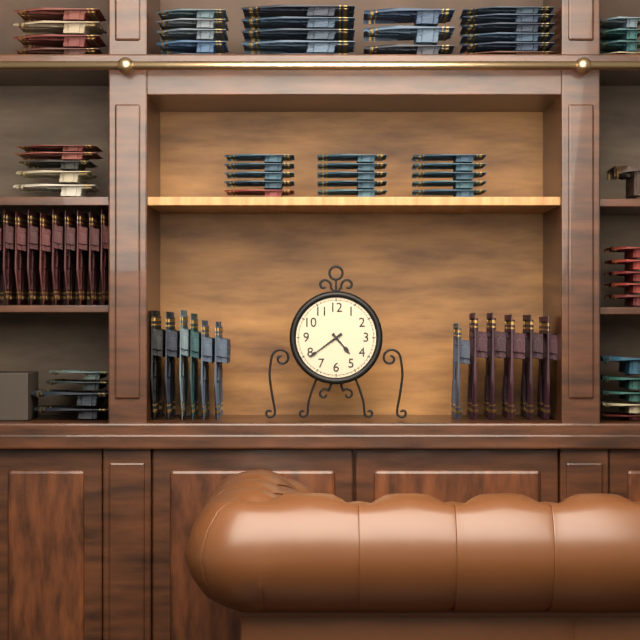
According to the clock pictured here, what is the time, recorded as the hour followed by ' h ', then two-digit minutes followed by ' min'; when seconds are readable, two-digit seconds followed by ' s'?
4 h 39 min
